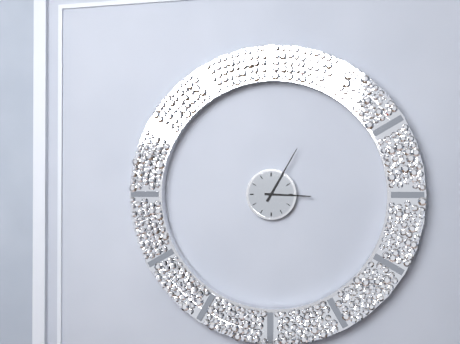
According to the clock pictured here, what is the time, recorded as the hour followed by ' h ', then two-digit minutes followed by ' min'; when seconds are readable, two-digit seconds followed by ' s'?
3 h 05 min
